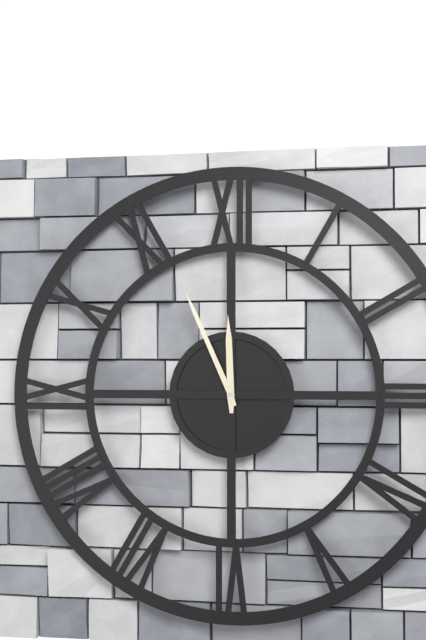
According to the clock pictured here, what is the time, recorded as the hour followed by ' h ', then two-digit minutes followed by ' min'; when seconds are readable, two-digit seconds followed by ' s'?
11 h 56 min
